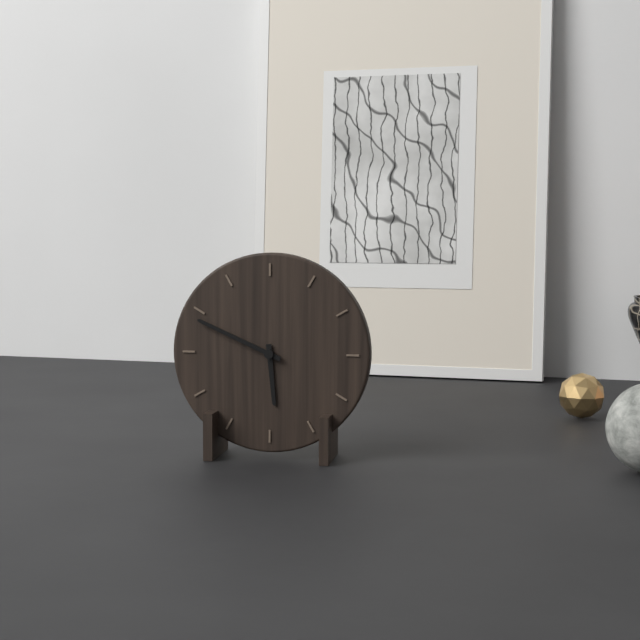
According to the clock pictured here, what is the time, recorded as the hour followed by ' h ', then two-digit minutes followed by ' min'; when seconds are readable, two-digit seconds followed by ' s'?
5 h 49 min
